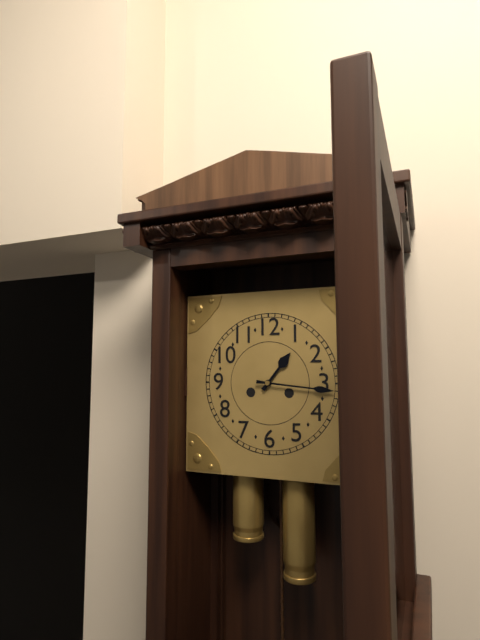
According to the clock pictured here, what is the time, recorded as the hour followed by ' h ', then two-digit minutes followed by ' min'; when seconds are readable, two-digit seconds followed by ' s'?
1 h 16 min
